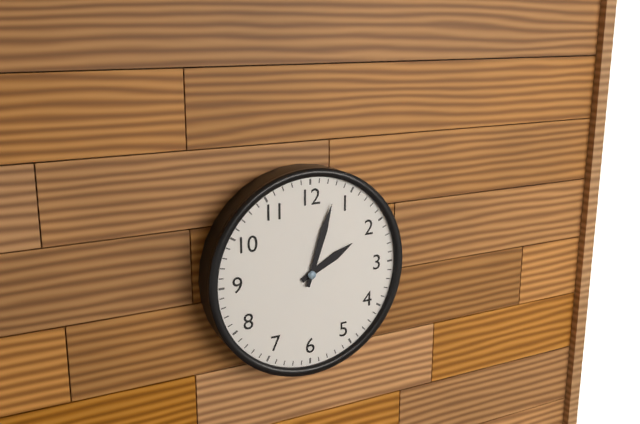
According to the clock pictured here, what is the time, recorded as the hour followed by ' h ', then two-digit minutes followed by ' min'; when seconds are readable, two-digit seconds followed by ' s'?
2 h 03 min
